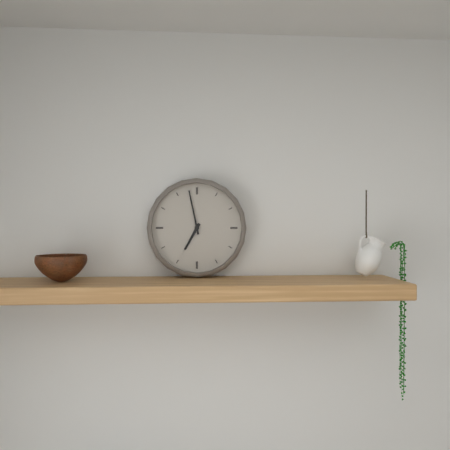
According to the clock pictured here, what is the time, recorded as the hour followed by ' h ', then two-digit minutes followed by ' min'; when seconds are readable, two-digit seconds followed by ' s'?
6 h 58 min
